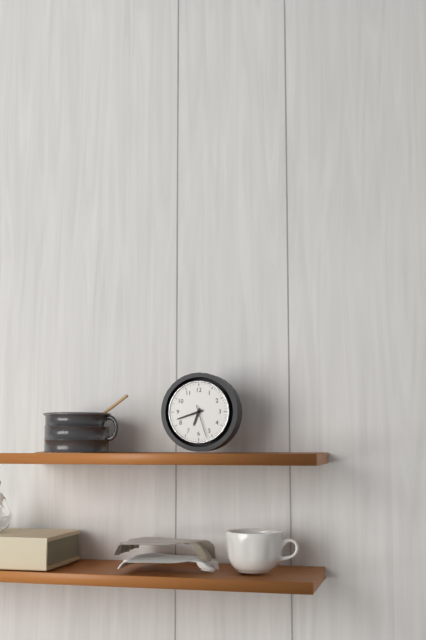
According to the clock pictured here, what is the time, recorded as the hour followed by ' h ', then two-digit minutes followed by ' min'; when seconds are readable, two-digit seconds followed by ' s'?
6 h 42 min
